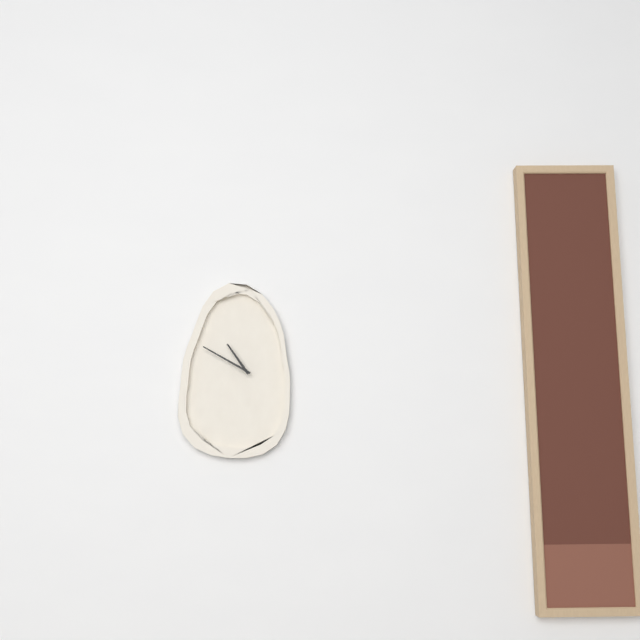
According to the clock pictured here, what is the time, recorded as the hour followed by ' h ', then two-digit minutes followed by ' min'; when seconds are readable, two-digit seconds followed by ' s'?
10 h 50 min
